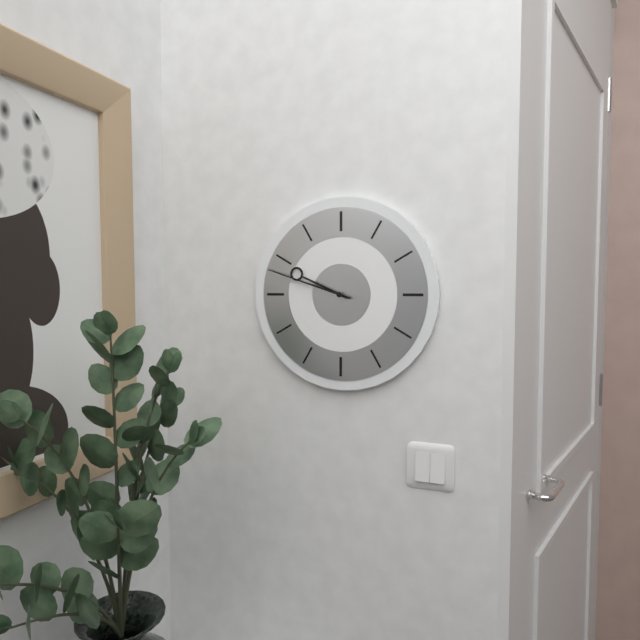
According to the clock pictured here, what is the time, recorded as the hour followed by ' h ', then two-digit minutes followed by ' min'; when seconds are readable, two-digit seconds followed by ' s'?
9 h 48 min
